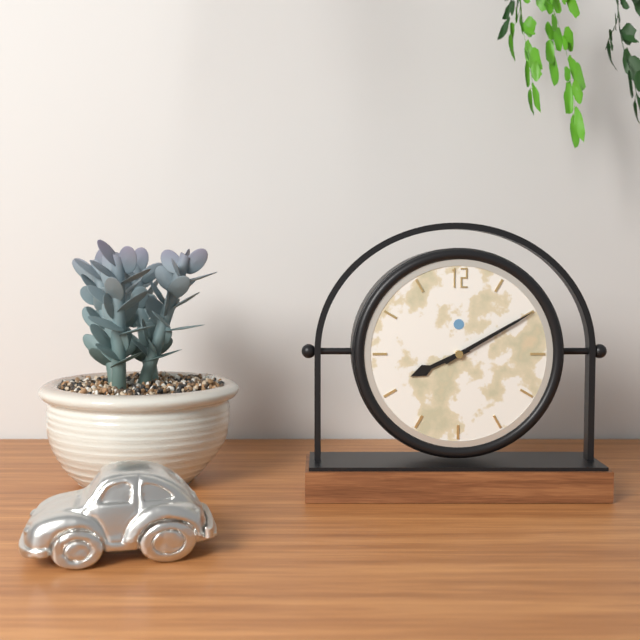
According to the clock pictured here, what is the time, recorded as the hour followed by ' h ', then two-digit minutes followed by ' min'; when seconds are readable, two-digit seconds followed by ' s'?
8 h 10 min
